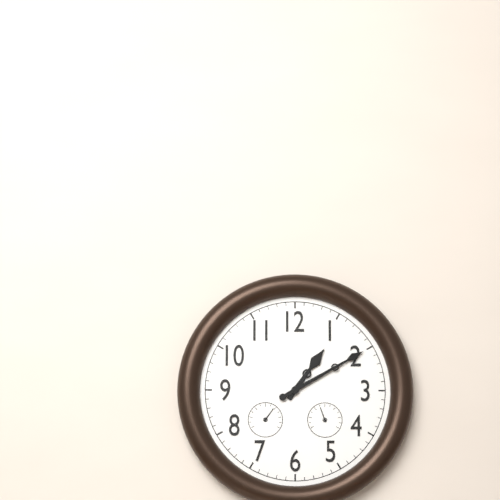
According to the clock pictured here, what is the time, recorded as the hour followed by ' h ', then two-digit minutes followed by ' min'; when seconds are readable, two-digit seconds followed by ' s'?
1 h 10 min
